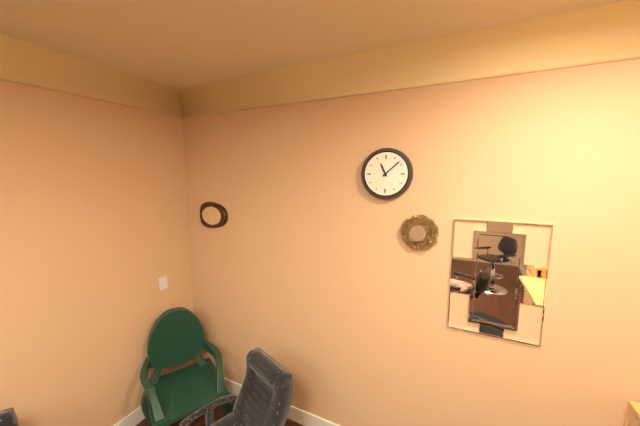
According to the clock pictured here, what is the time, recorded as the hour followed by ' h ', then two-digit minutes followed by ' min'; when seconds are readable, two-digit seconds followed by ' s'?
11 h 08 min
